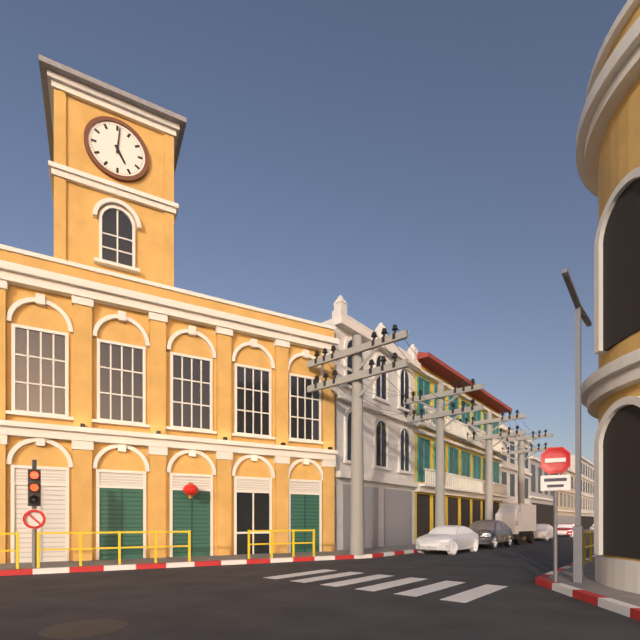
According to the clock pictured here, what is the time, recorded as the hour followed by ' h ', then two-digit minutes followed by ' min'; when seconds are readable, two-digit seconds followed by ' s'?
5 h 01 min
